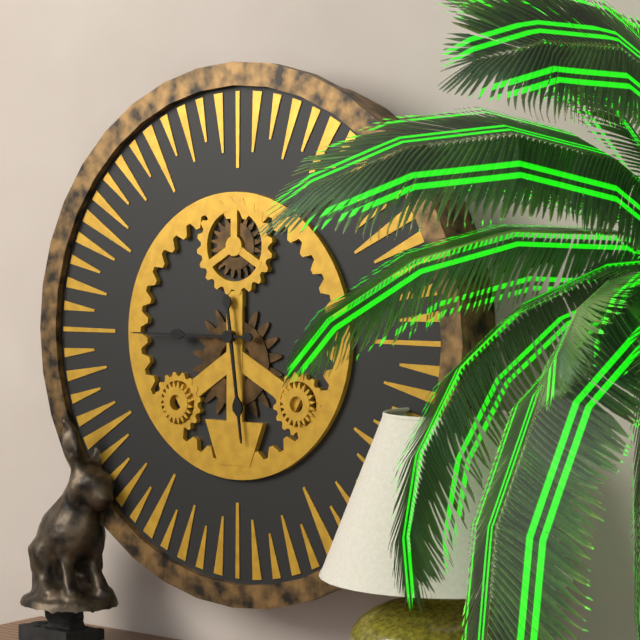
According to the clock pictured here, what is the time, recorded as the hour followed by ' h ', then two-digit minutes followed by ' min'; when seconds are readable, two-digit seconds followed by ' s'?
5 h 45 min
